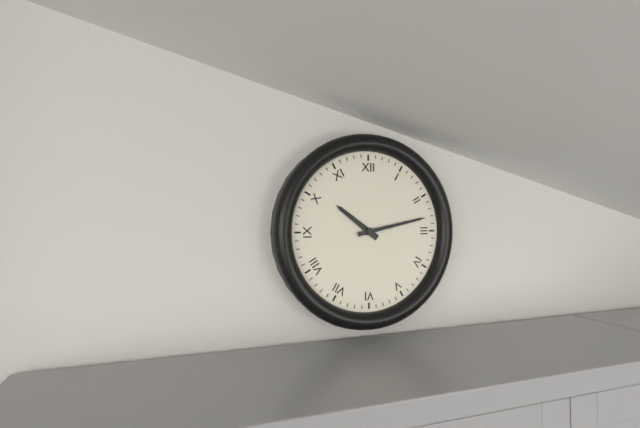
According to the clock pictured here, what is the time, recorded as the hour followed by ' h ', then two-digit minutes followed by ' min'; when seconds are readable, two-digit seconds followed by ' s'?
10 h 13 min
